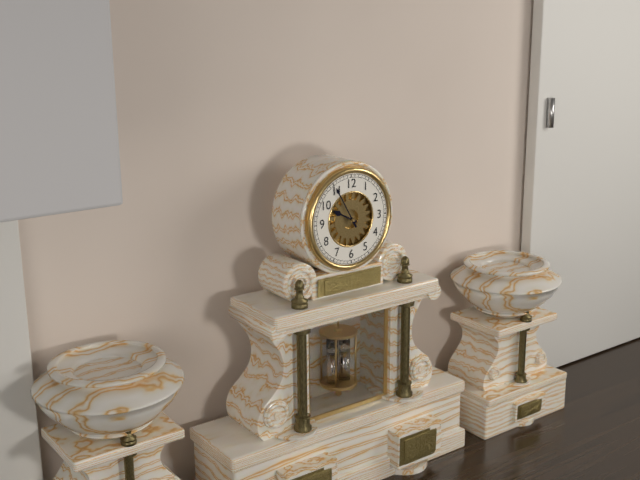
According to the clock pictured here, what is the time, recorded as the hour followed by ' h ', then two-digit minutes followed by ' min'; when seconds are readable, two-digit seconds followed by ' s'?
9 h 55 min
